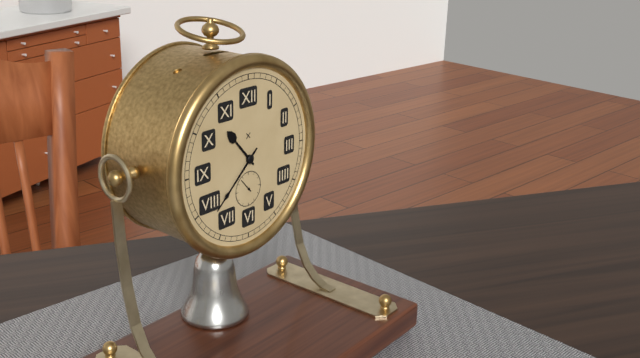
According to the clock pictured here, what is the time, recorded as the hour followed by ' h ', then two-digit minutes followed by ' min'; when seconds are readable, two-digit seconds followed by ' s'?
10 h 38 min
